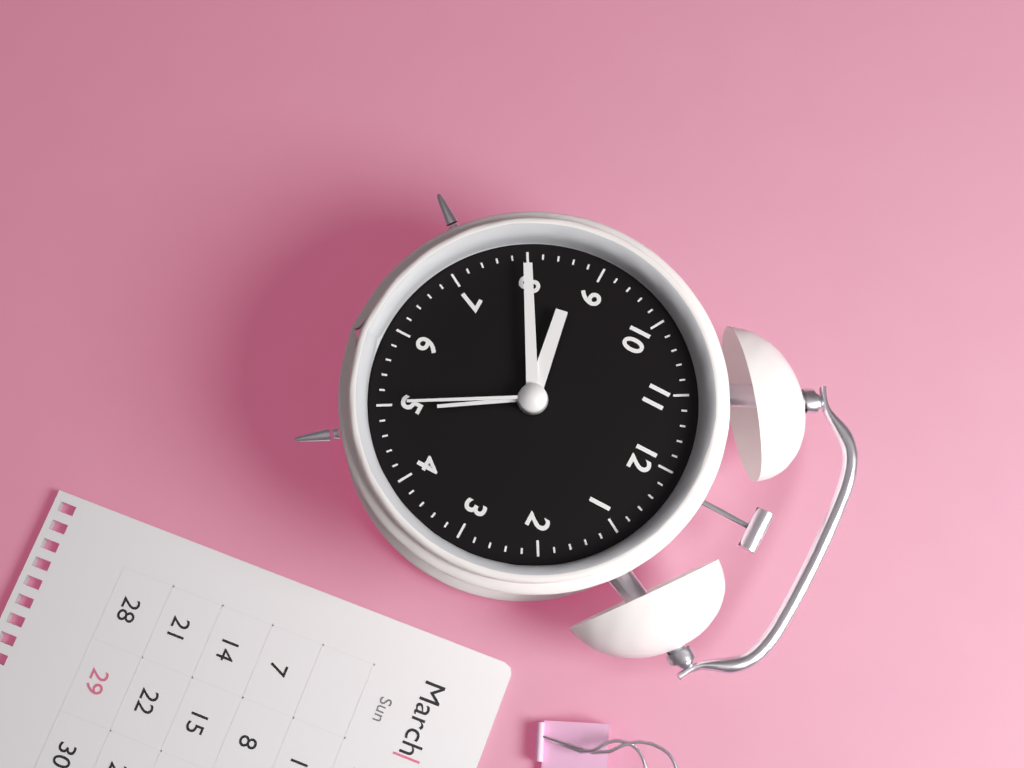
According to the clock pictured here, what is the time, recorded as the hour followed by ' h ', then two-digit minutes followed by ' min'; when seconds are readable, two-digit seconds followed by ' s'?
8 h 40 min 25 s
